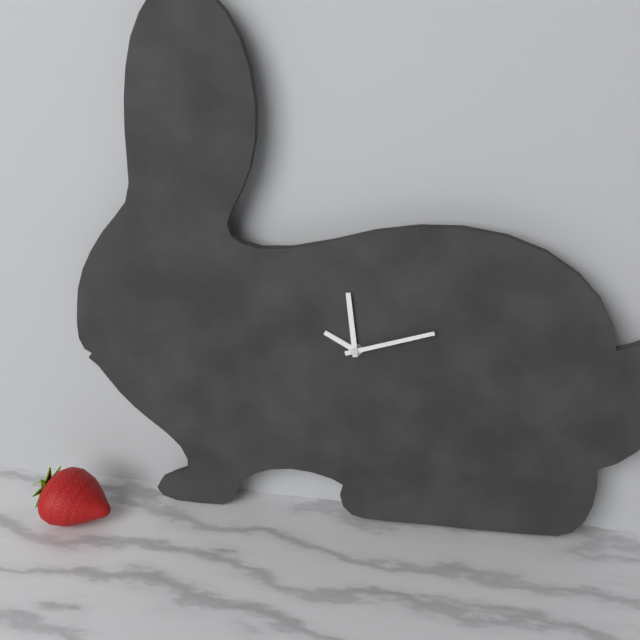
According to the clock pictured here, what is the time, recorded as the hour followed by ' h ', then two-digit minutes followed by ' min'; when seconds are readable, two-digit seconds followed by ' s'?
9 h 59 min 12 s
